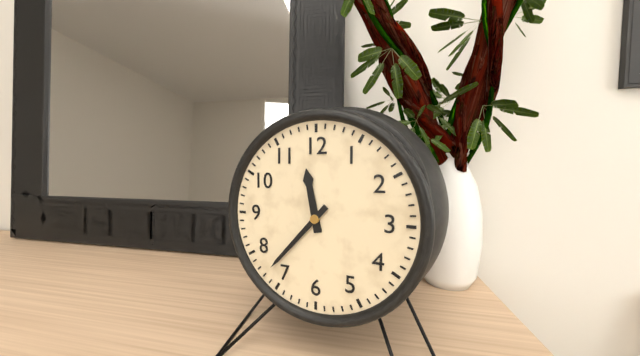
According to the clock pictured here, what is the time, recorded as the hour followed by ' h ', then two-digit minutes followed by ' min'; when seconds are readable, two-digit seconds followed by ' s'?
11 h 37 min
